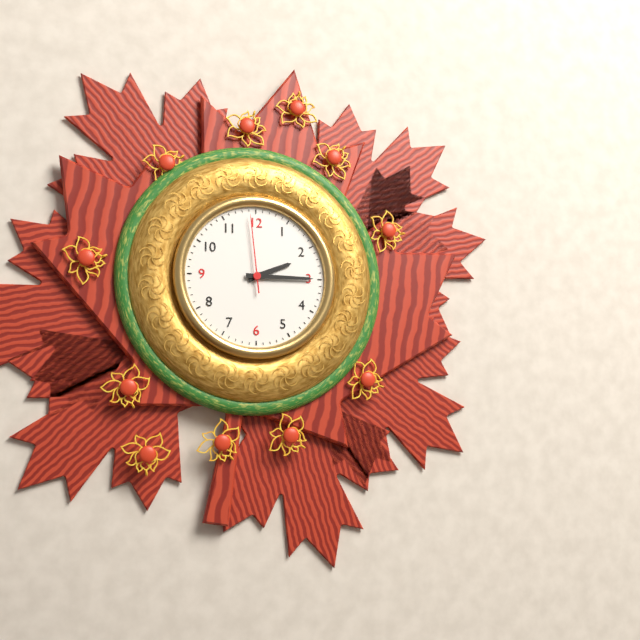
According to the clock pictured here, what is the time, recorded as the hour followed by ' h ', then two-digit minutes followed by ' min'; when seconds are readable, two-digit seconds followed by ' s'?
2 h 15 min 59 s
